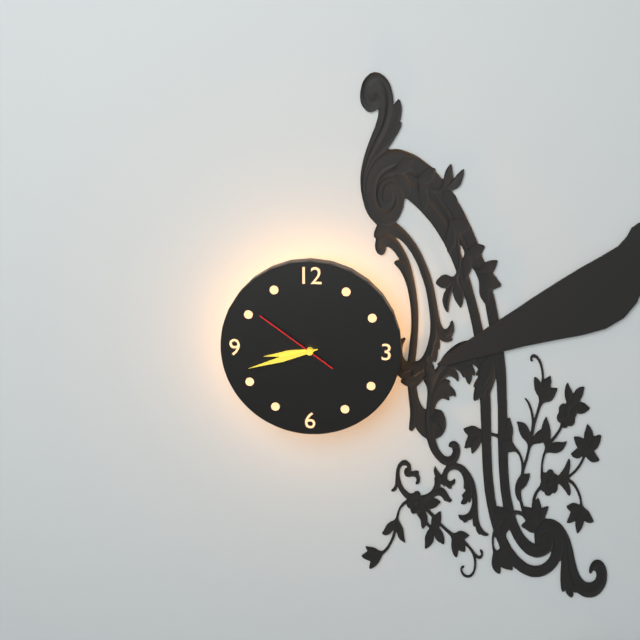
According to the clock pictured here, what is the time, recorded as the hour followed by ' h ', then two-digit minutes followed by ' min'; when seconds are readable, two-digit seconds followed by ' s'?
8 h 42 min 51 s
